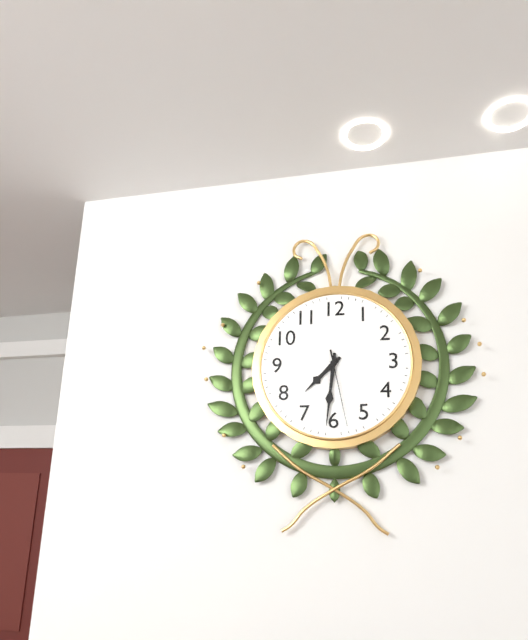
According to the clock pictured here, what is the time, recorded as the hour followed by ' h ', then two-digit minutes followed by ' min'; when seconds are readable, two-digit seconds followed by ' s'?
7 h 31 min 28 s
